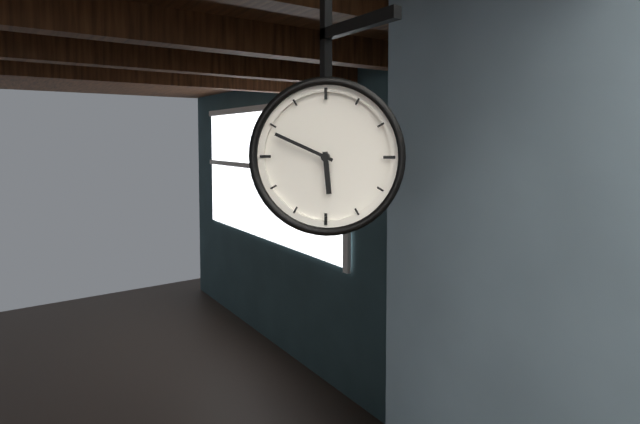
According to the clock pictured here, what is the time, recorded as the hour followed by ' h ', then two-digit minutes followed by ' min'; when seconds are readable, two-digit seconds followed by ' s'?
5 h 49 min
